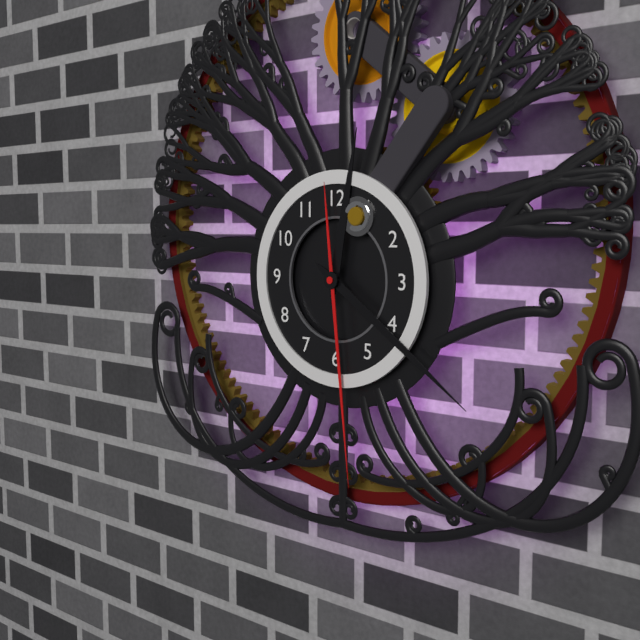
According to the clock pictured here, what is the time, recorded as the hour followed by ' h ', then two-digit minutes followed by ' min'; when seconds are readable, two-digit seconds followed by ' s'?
12 h 21 min 29 s
